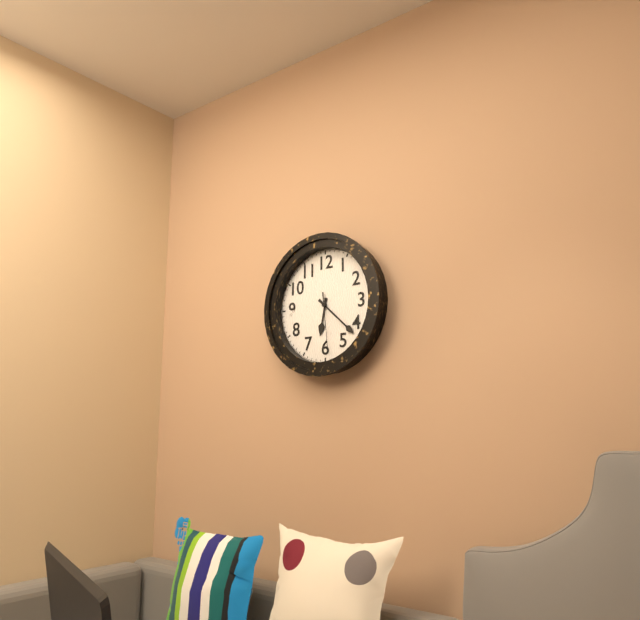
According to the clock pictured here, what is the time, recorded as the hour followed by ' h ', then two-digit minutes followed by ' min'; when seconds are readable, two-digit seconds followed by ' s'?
6 h 22 min 29 s
